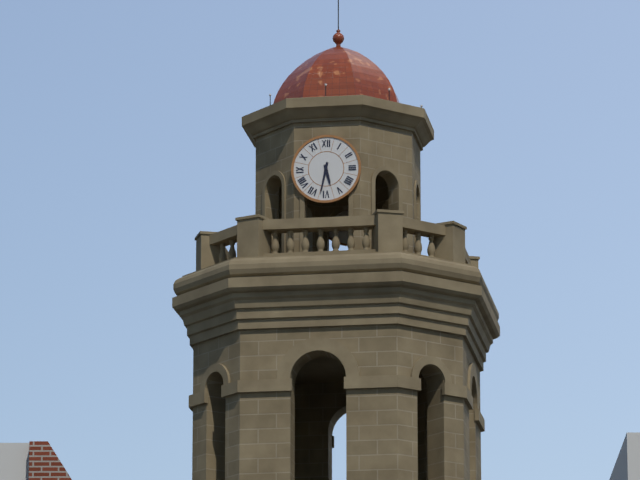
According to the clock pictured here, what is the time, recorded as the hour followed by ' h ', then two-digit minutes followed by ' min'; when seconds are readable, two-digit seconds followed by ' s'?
5 h 32 min
